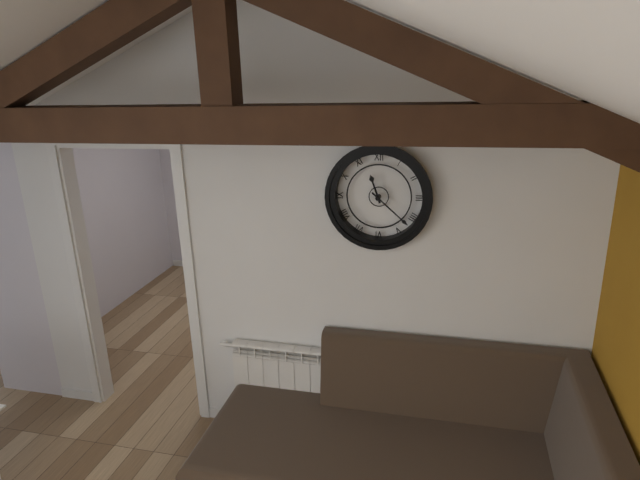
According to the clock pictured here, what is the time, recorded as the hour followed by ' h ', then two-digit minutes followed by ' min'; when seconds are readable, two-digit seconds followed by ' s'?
11 h 22 min
